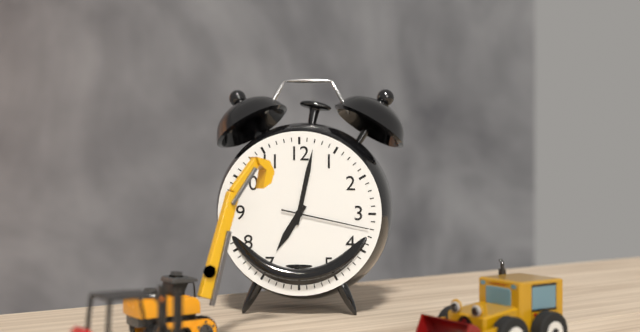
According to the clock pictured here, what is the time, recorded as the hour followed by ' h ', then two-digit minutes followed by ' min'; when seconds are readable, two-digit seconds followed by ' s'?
7 h 02 min 17 s
